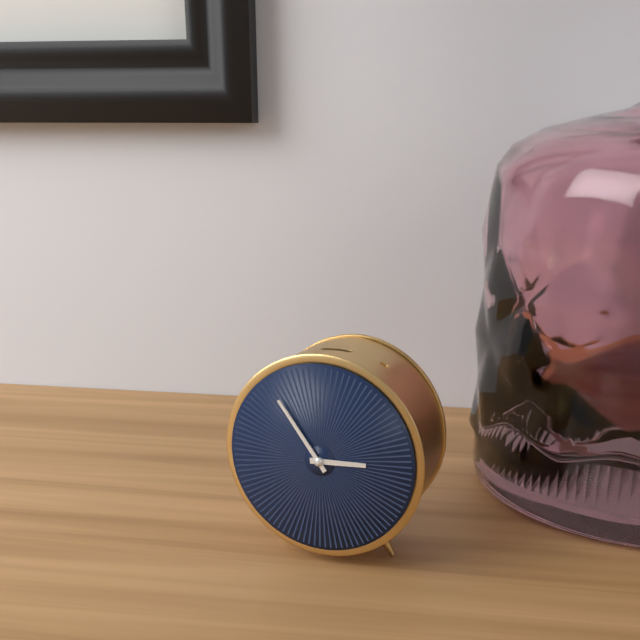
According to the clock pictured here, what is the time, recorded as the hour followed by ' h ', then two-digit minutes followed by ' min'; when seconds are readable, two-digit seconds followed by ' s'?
2 h 54 min
